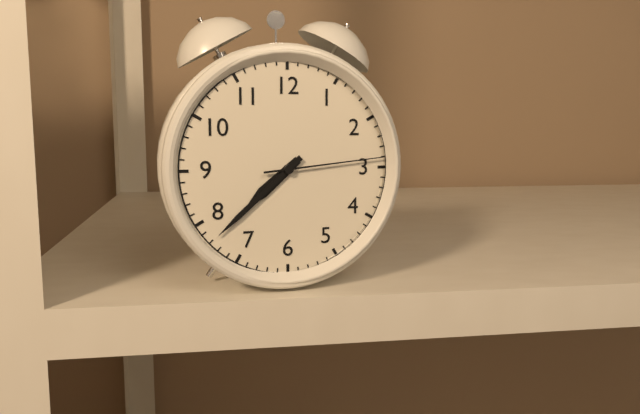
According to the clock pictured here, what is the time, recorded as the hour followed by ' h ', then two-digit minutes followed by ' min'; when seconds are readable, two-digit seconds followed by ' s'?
7 h 38 min 14 s
